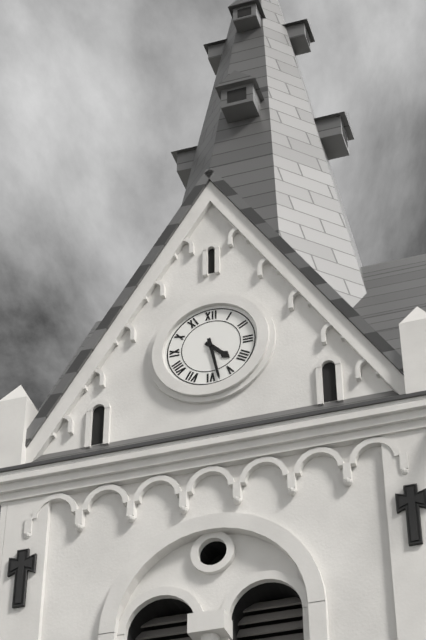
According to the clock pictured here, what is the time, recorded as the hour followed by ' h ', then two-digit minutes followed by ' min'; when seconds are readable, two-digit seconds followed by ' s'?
4 h 28 min
